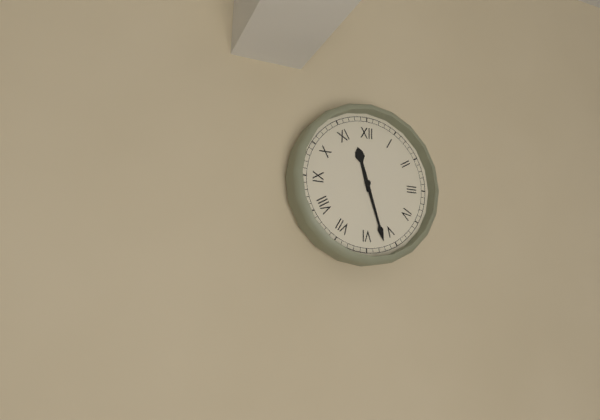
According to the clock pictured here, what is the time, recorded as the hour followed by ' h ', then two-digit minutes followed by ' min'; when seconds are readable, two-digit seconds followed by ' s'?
11 h 27 min
